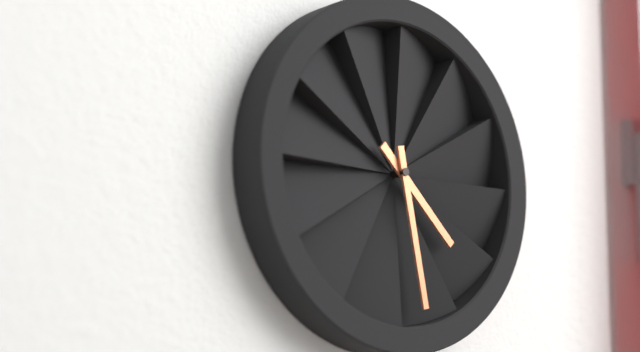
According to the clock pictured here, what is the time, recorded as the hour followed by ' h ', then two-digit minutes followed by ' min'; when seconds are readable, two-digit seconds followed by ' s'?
4 h 28 min
